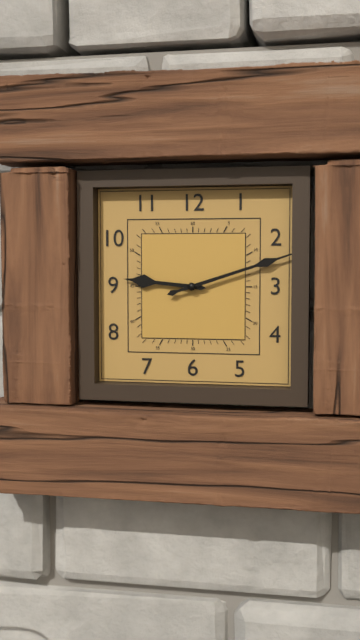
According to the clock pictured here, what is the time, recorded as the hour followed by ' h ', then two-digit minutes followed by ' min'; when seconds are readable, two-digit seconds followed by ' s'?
9 h 12 min
